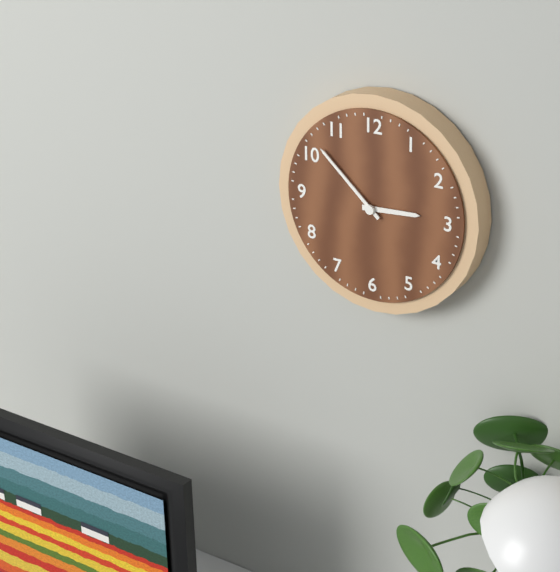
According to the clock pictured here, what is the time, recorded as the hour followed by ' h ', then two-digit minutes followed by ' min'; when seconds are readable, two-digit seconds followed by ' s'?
2 h 52 min
